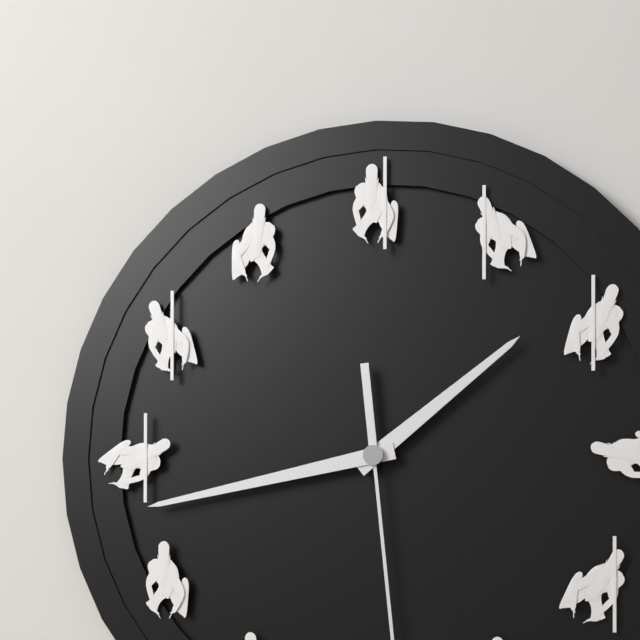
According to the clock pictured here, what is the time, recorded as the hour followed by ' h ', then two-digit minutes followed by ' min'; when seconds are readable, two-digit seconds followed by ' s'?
1 h 43 min
